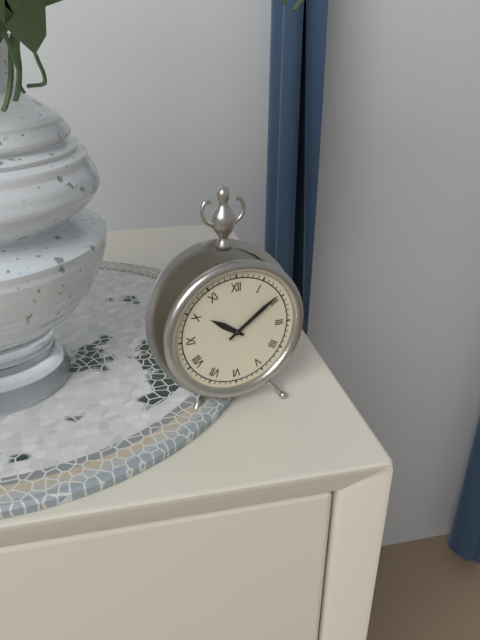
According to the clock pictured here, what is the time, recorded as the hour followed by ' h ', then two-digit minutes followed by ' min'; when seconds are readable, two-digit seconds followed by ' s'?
10 h 09 min
